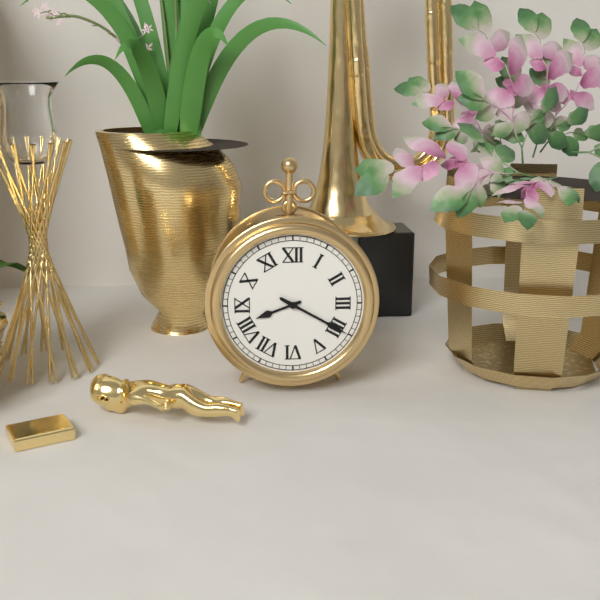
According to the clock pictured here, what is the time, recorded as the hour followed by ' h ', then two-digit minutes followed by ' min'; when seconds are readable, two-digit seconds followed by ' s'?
8 h 20 min
